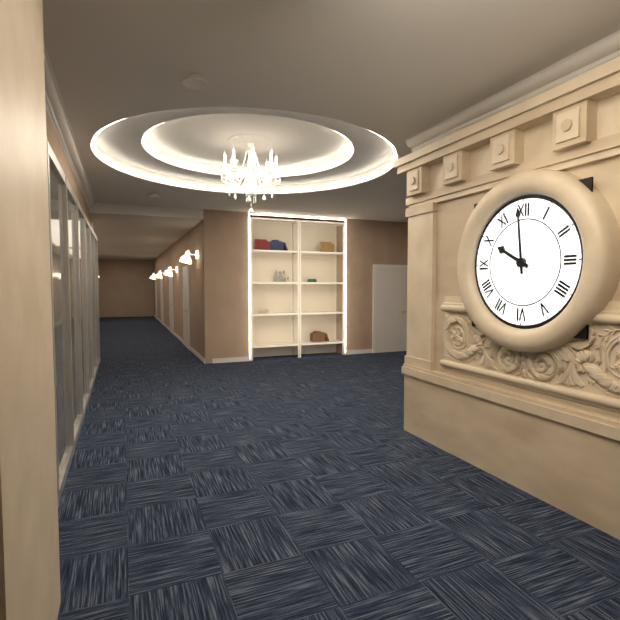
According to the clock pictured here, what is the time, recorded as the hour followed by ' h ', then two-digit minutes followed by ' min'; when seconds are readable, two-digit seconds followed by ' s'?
9 h 59 min
